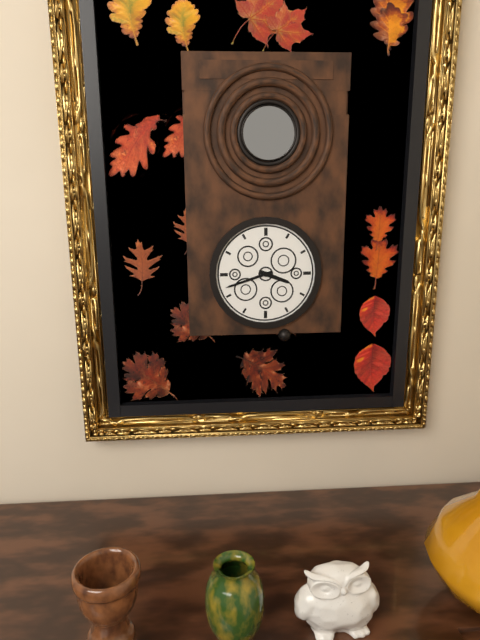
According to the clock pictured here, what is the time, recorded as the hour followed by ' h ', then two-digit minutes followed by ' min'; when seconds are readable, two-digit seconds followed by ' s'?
3 h 42 min
